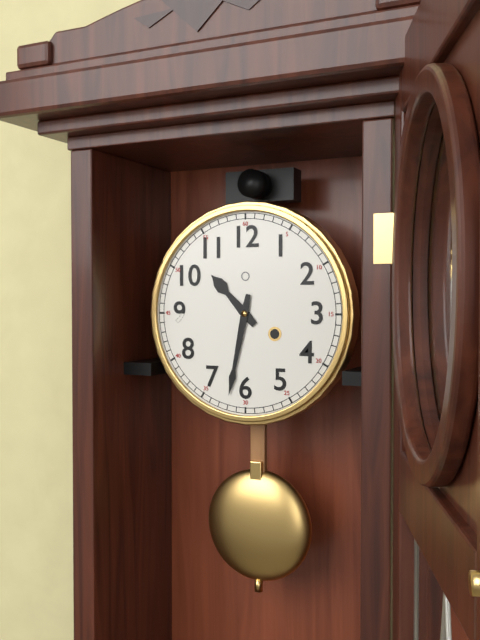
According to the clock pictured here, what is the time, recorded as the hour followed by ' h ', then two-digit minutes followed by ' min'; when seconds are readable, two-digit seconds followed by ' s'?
10 h 32 min
